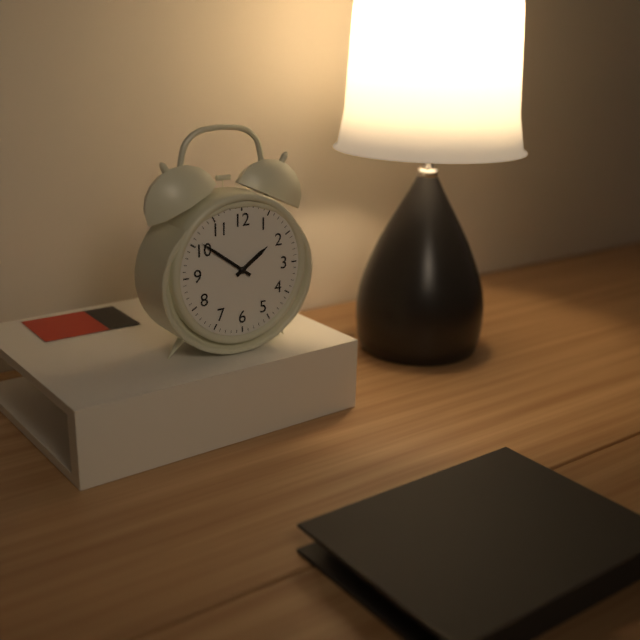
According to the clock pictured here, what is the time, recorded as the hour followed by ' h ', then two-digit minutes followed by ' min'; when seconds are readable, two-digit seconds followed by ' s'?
1 h 51 min
